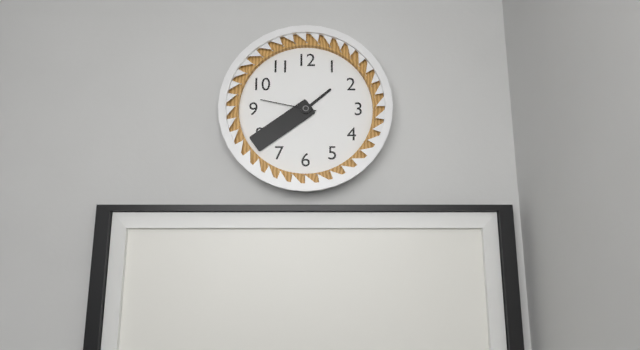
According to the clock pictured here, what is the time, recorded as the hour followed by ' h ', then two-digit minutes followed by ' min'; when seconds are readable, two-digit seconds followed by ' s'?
1 h 39 min 47 s
